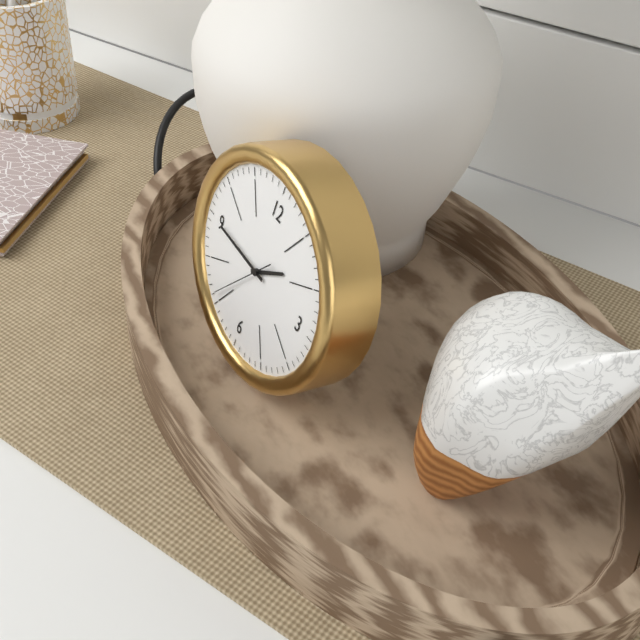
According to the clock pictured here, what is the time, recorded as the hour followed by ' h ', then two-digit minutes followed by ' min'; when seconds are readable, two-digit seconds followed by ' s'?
1 h 45 min 36 s
